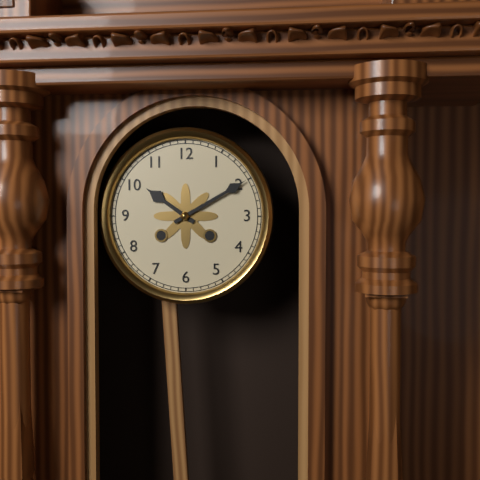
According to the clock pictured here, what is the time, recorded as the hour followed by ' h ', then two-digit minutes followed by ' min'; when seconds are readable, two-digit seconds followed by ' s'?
10 h 10 min
